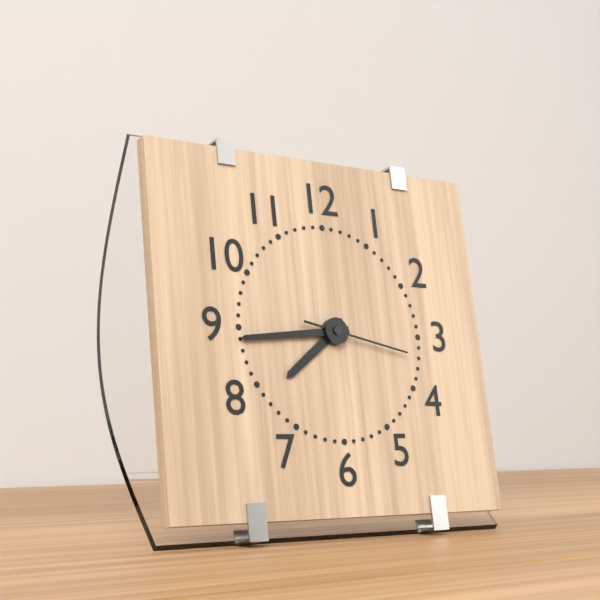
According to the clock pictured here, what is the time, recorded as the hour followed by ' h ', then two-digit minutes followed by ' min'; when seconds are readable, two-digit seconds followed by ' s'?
7 h 44 min 17 s
